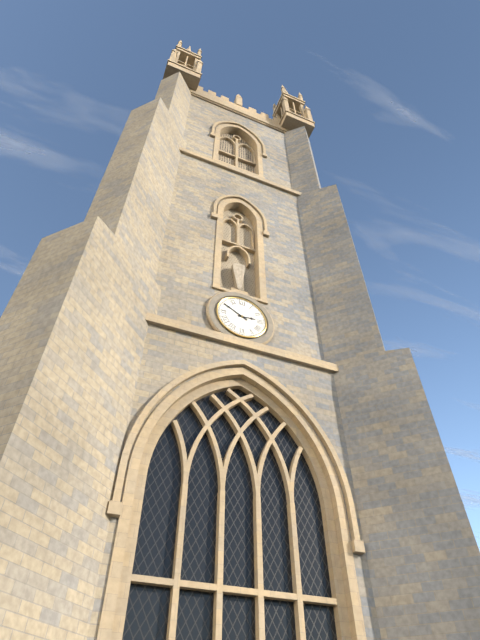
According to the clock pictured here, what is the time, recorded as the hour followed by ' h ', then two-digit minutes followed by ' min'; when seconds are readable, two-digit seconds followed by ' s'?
2 h 50 min
